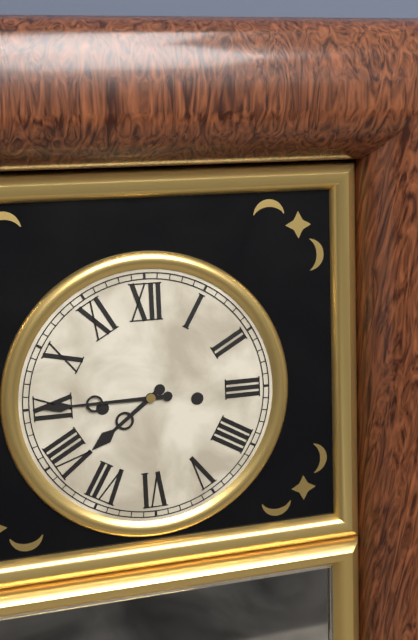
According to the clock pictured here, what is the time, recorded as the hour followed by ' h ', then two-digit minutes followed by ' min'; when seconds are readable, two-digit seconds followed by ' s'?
7 h 45 min
